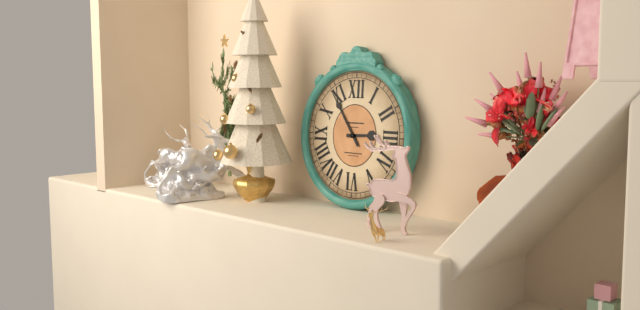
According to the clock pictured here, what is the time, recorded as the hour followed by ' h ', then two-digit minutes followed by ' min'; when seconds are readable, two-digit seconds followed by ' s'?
2 h 54 min
